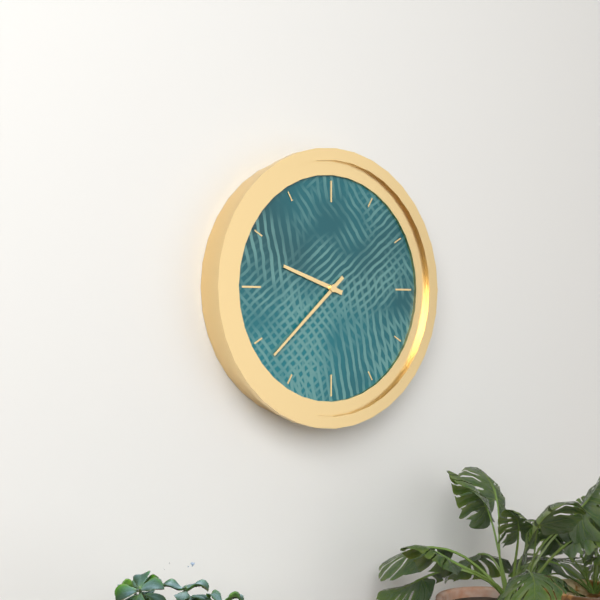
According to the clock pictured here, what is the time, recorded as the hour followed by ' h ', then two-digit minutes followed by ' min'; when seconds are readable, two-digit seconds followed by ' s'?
9 h 38 min
